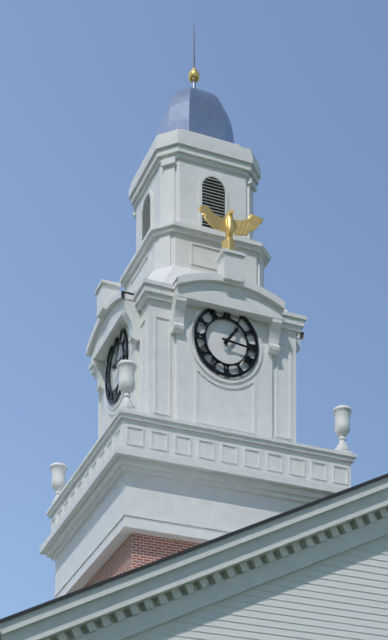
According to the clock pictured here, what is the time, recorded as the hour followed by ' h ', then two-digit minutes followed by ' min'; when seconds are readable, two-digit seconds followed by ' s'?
1 h 16 min
